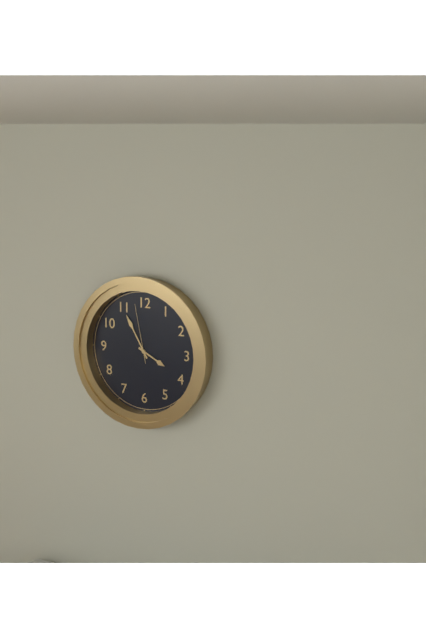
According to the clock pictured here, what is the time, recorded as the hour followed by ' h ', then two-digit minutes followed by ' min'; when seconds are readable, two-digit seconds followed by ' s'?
3 h 55 min 58 s
